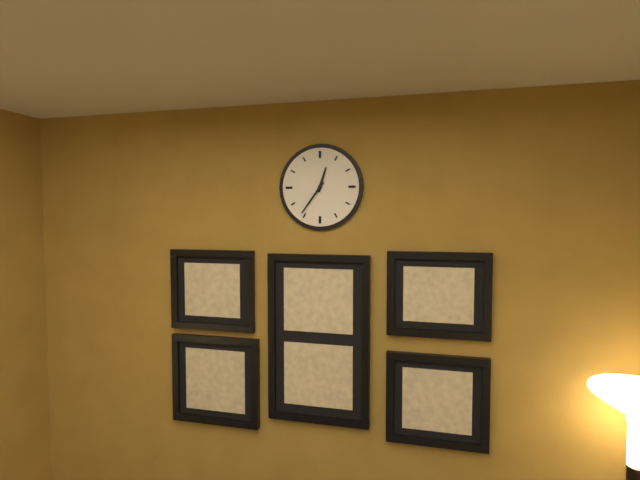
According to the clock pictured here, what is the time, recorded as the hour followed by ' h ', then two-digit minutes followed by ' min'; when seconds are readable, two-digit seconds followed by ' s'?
12 h 36 min
